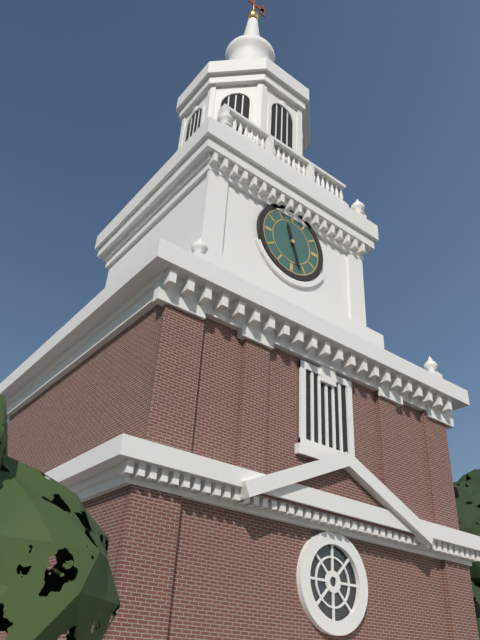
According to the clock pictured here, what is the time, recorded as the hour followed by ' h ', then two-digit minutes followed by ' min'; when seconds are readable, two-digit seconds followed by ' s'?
11 h 27 min
